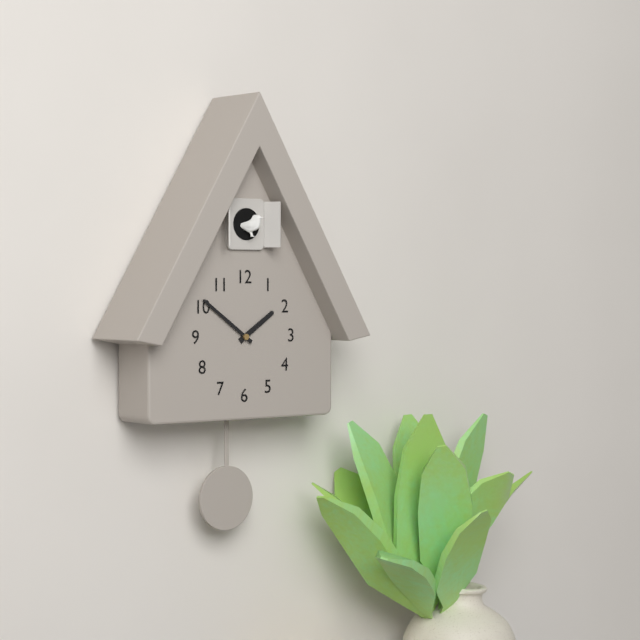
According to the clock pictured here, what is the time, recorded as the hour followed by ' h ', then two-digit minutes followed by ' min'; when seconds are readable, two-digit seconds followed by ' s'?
1 h 51 min
